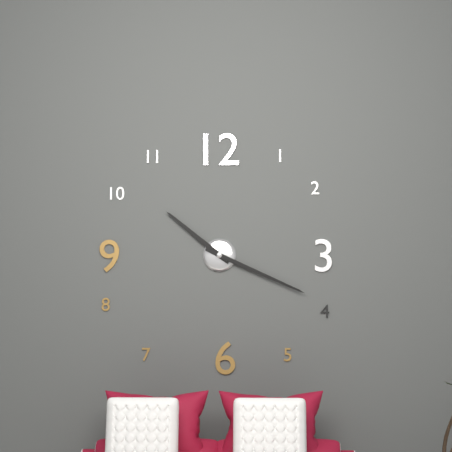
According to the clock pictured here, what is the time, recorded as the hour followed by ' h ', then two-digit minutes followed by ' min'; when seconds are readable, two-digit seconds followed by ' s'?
10 h 19 min
